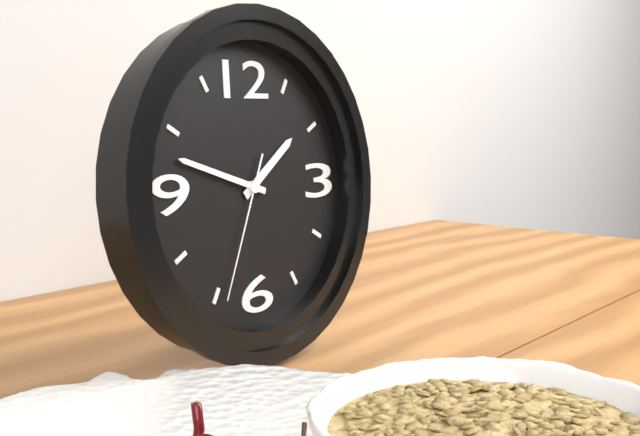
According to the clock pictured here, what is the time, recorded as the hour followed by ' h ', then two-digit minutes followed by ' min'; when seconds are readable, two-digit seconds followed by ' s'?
1 h 48 min 34 s
